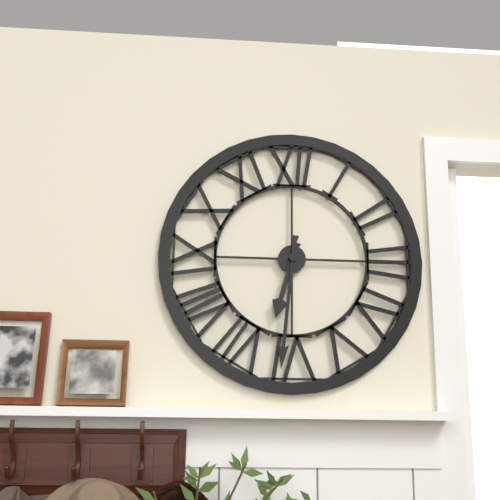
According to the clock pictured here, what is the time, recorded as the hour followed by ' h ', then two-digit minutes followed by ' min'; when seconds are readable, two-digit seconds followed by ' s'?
6 h 31 min
